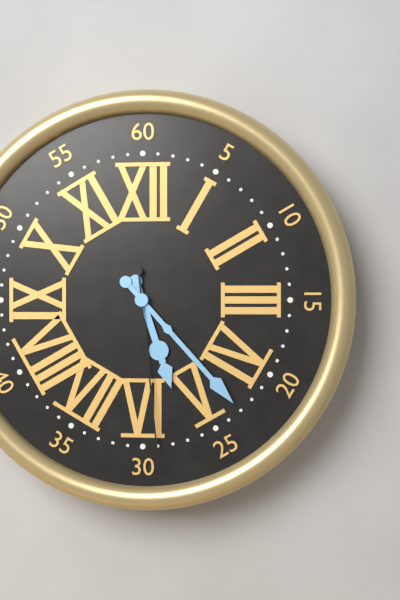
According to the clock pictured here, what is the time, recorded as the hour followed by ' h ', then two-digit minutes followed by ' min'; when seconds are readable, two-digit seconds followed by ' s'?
5 h 23 min 29 s
